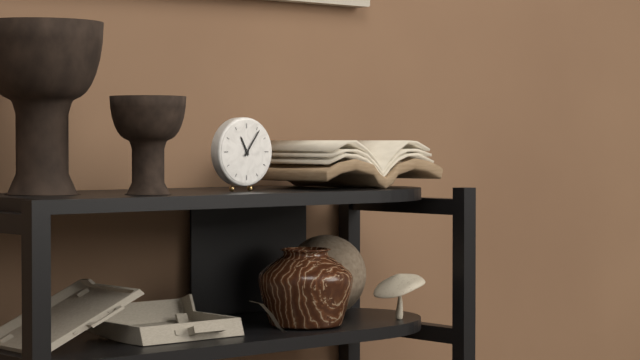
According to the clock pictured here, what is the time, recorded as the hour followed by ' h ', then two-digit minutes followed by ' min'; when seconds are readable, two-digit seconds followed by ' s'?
11 h 06 min
